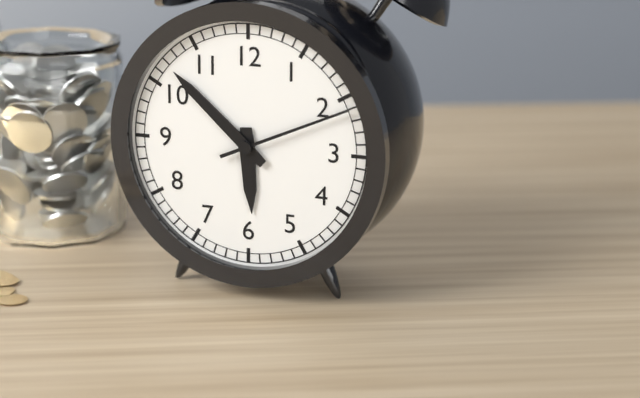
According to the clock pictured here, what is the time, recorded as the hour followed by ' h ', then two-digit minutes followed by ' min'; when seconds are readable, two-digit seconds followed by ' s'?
5 h 52 min 11 s
